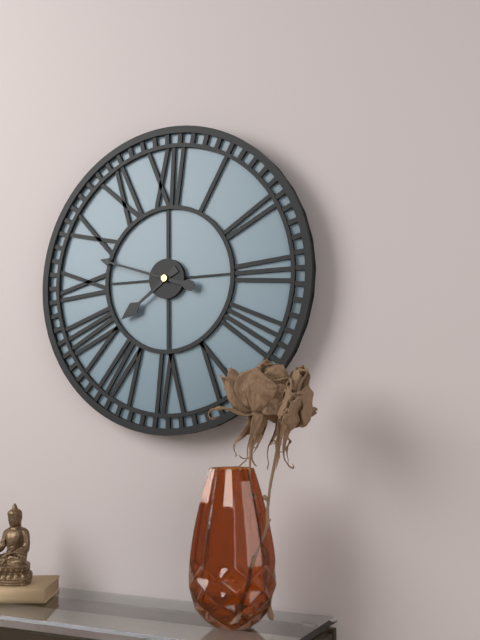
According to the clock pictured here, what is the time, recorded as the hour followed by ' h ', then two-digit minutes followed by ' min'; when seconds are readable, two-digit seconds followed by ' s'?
7 h 48 min
